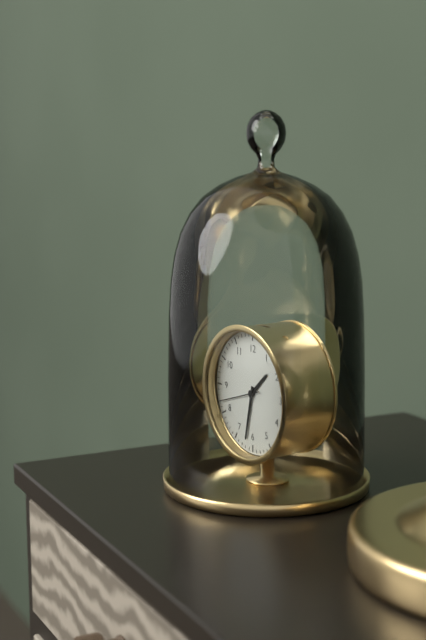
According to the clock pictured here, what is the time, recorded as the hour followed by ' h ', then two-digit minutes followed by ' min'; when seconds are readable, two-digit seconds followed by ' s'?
1 h 32 min
